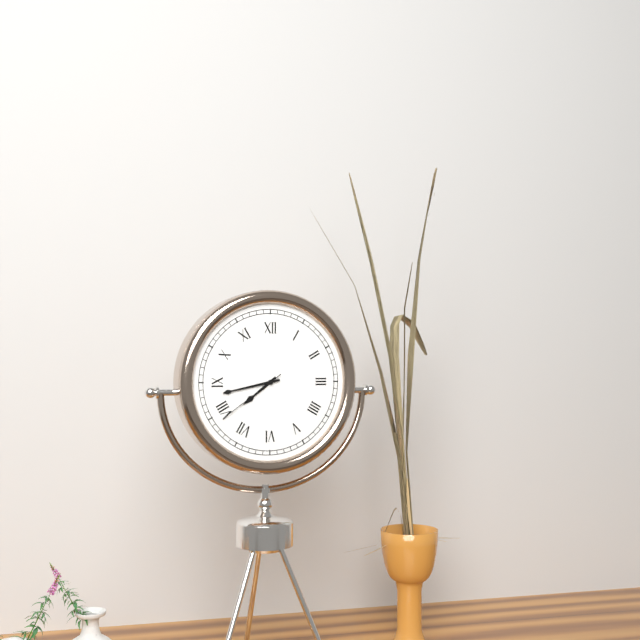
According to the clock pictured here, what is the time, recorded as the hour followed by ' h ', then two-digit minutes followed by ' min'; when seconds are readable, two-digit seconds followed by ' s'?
7 h 43 min 39 s
